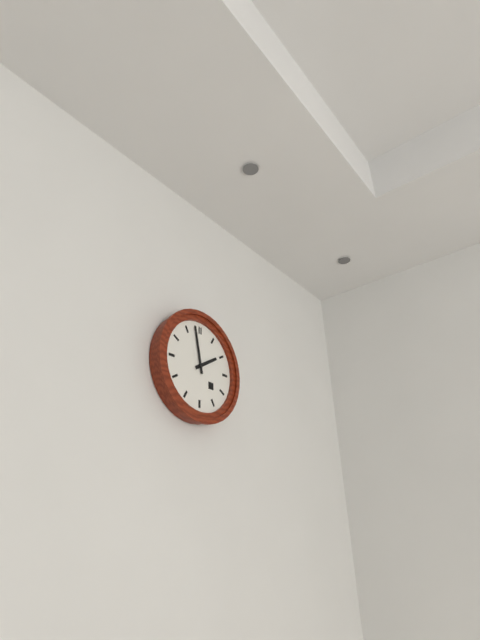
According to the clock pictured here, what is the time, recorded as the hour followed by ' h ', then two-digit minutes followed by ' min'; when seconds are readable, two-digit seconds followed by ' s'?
1 h 58 min
